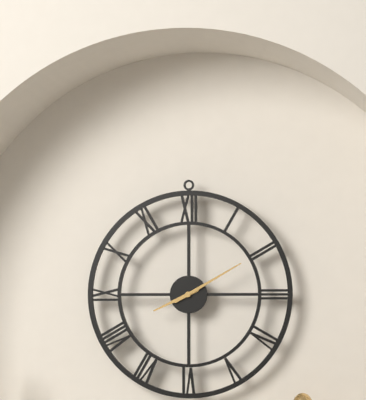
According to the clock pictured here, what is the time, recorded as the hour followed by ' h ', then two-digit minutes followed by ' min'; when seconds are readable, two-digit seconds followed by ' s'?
8 h 10 min
